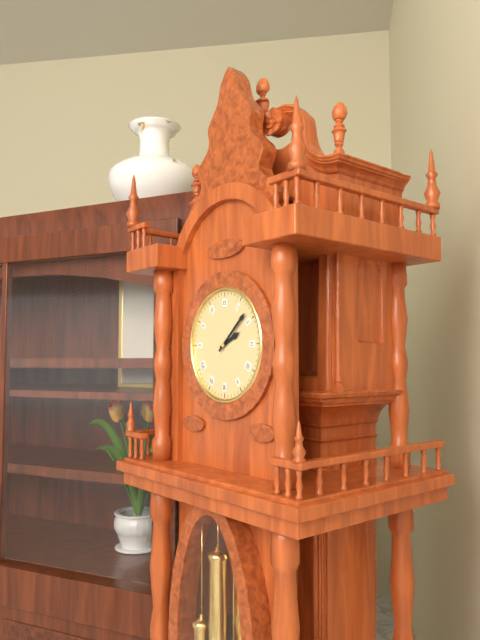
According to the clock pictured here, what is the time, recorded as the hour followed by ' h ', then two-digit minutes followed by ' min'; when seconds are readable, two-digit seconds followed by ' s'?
2 h 08 min
